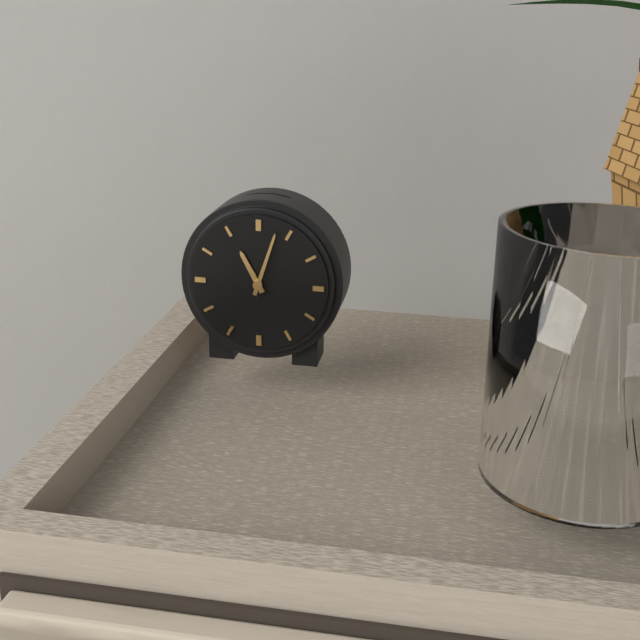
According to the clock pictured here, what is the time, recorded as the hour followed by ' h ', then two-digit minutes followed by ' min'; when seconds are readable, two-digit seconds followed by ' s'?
11 h 03 min
